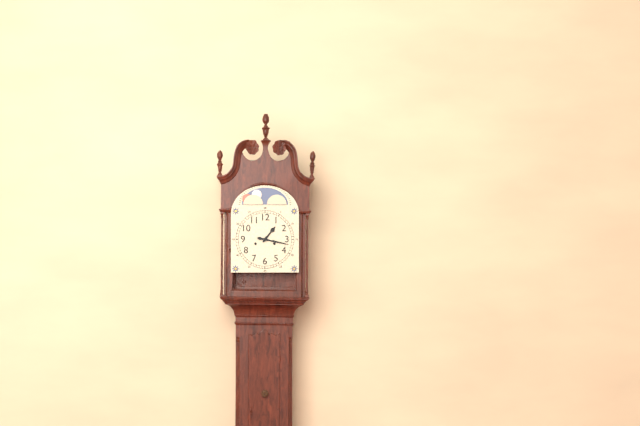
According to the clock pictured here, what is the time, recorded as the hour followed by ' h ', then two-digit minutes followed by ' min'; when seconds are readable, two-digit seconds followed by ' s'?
1 h 17 min
